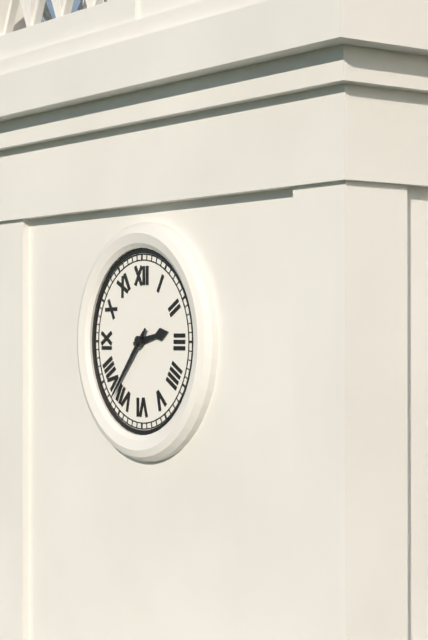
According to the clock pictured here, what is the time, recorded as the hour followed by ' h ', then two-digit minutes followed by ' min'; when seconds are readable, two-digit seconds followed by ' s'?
2 h 37 min
